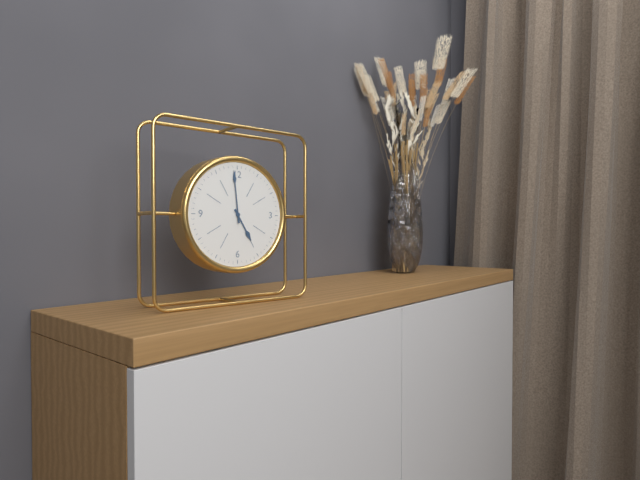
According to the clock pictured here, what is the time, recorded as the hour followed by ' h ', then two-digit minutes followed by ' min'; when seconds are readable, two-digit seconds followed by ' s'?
4 h 59 min
